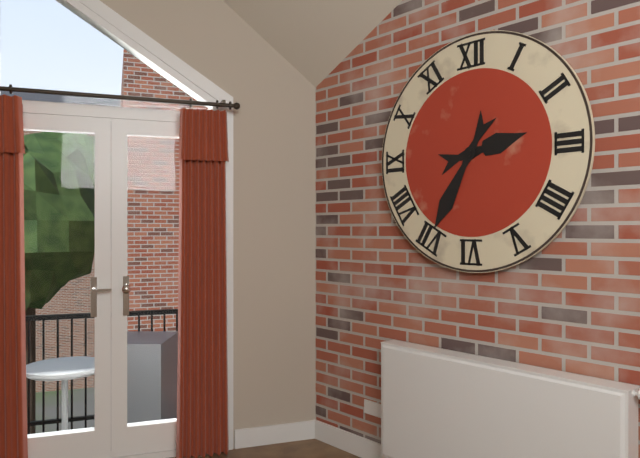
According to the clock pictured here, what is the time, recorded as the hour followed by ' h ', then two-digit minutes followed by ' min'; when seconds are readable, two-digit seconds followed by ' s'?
2 h 35 min
